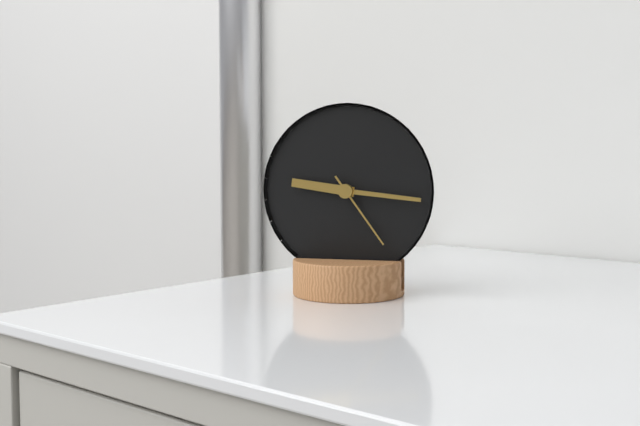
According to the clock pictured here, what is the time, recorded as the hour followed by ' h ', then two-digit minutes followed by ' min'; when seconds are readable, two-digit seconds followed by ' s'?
9 h 16 min 24 s
